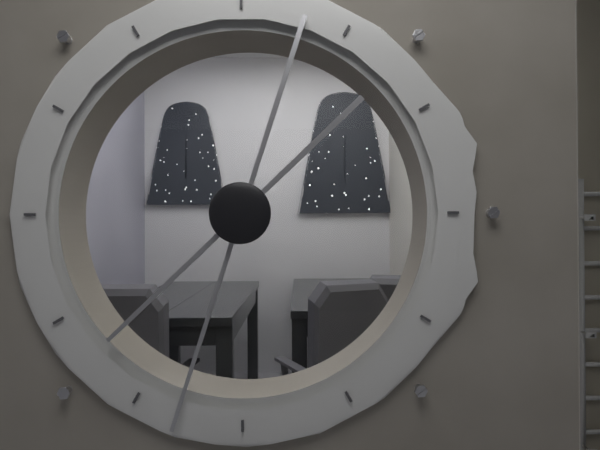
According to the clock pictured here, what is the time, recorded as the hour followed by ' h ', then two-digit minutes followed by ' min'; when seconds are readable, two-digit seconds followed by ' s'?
7 h 33 min
